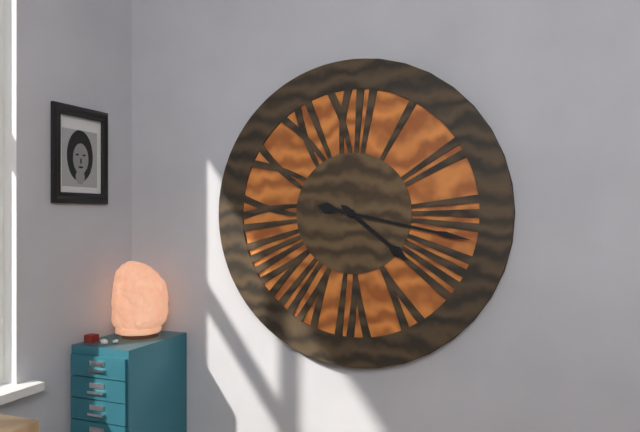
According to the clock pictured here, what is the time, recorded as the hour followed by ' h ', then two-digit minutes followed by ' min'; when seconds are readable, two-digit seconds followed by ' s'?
4 h 17 min
